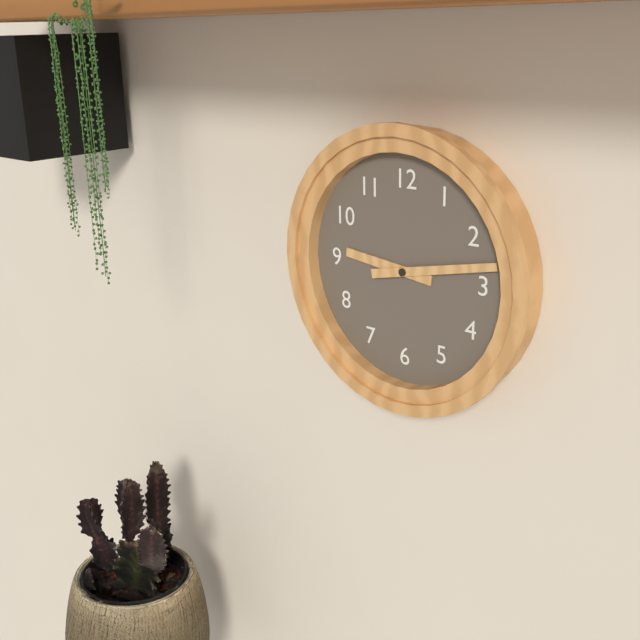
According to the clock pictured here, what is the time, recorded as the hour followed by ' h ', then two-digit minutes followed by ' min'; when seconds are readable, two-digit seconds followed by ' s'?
9 h 13 min
